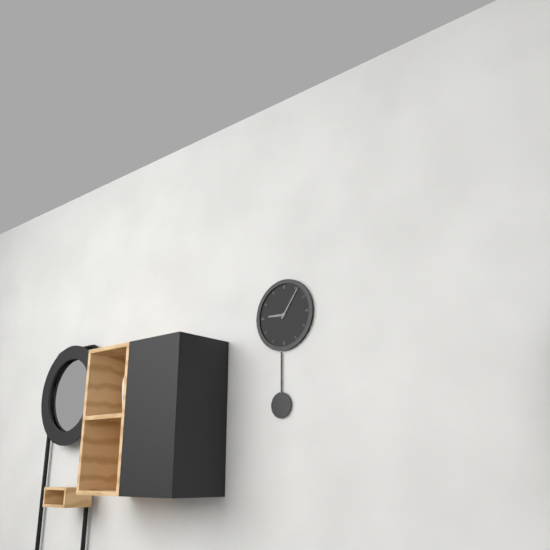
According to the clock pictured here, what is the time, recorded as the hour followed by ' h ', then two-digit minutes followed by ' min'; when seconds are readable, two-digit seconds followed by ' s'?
9 h 06 min
